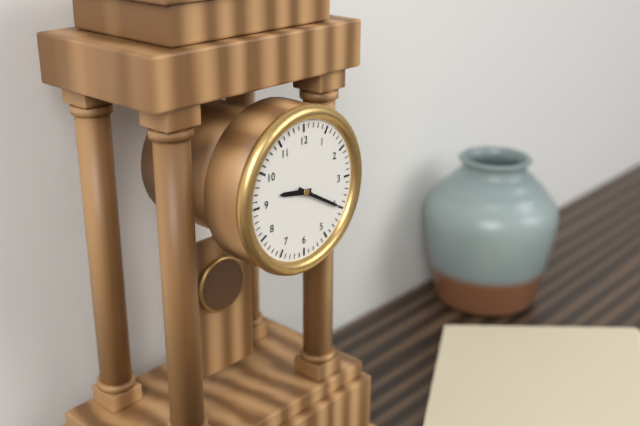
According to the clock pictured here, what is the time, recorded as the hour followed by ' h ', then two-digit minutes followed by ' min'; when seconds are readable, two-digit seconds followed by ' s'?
9 h 20 min
